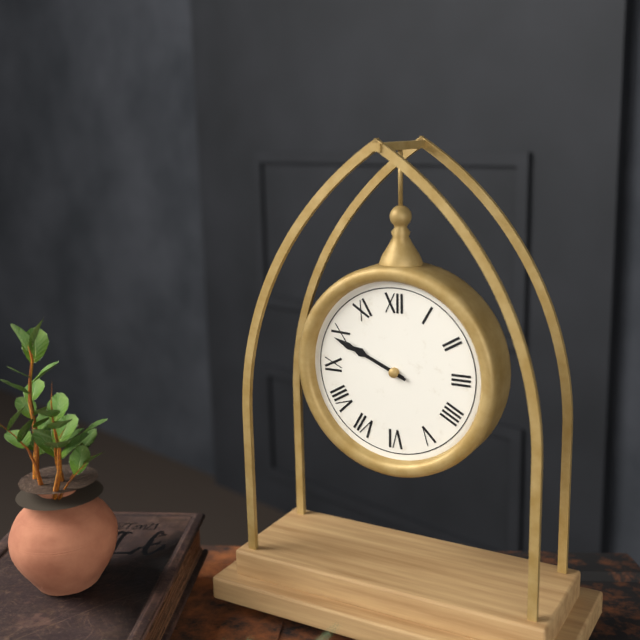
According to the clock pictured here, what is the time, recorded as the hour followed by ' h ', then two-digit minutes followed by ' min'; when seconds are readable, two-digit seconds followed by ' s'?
9 h 49 min
